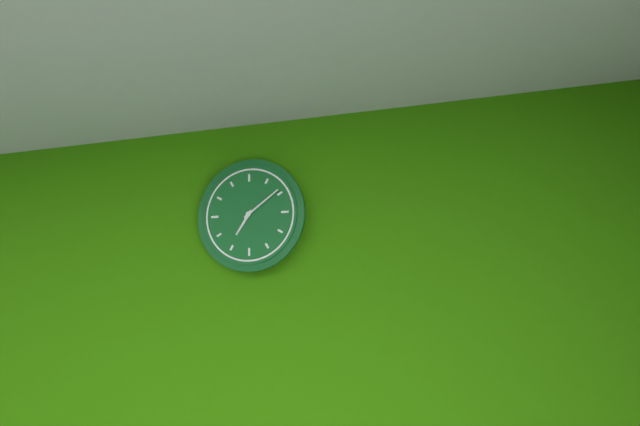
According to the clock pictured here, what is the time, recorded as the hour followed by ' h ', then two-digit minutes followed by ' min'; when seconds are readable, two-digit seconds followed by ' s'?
7 h 09 min
